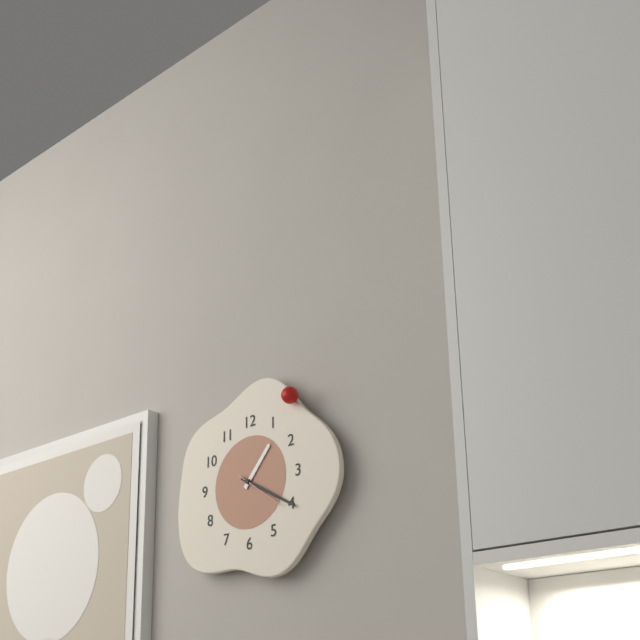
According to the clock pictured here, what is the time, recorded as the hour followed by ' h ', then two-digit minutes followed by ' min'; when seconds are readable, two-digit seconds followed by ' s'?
1 h 20 min
